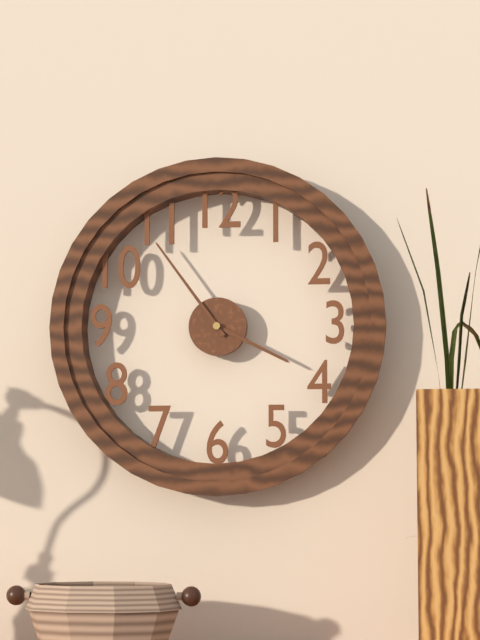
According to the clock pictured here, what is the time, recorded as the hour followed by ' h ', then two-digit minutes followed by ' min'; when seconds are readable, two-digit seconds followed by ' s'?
3 h 54 min
